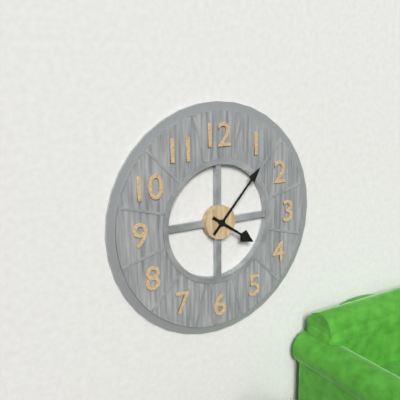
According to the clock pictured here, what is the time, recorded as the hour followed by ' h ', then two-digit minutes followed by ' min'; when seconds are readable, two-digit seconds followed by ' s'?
4 h 07 min
